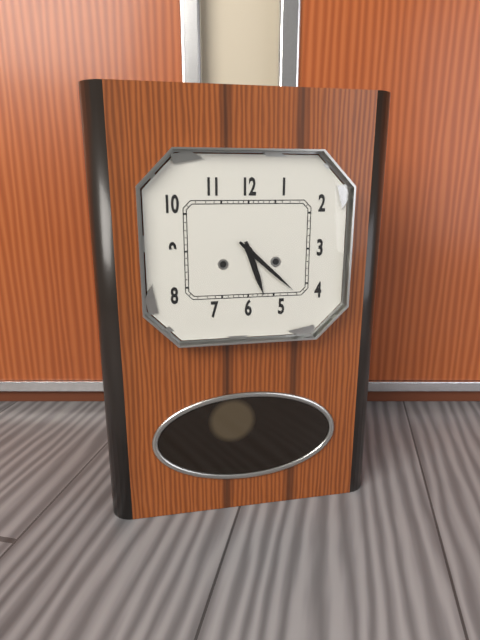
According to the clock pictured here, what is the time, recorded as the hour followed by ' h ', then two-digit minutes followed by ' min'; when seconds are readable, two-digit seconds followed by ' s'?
5 h 22 min
